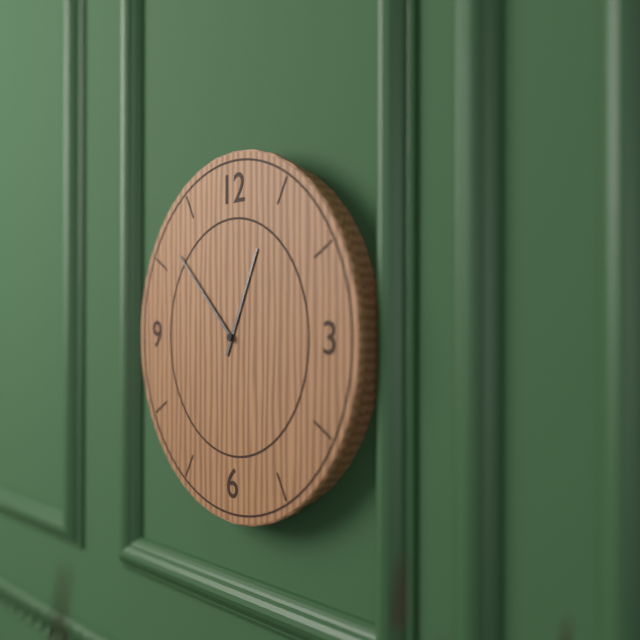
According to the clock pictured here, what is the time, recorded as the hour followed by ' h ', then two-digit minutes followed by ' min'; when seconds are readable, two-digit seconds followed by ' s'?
12 h 52 min
